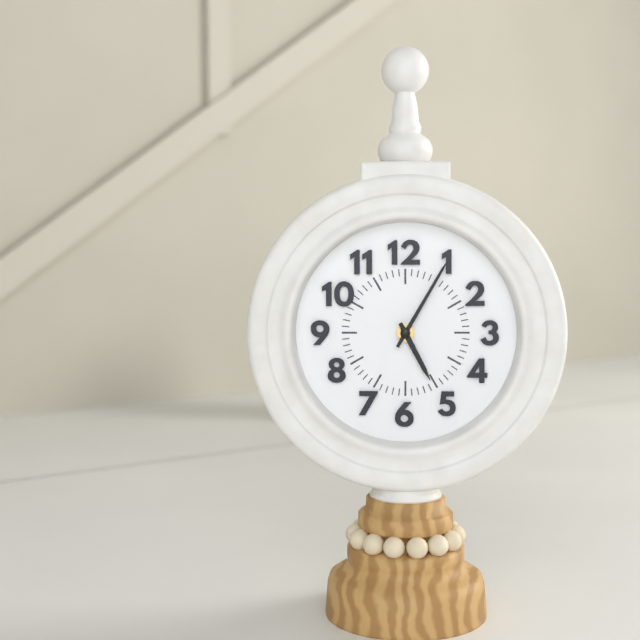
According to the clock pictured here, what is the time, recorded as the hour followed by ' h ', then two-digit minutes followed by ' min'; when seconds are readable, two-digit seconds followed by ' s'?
5 h 05 min
